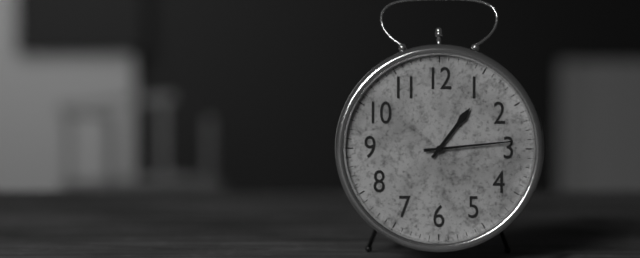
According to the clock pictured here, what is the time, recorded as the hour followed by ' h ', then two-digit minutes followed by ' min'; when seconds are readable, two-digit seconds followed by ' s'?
1 h 14 min
